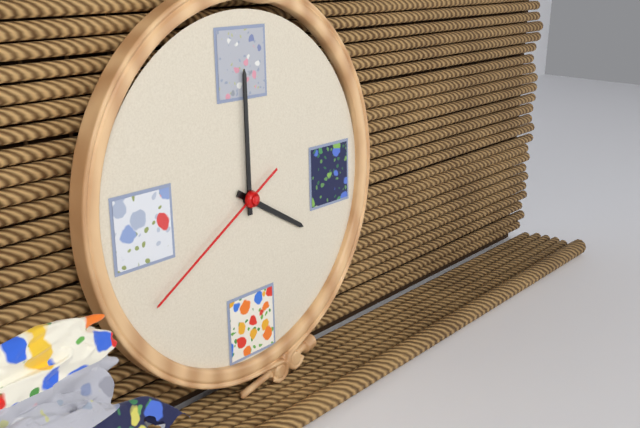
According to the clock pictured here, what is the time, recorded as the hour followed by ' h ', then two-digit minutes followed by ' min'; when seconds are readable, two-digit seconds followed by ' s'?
4 h 00 min 40 s
